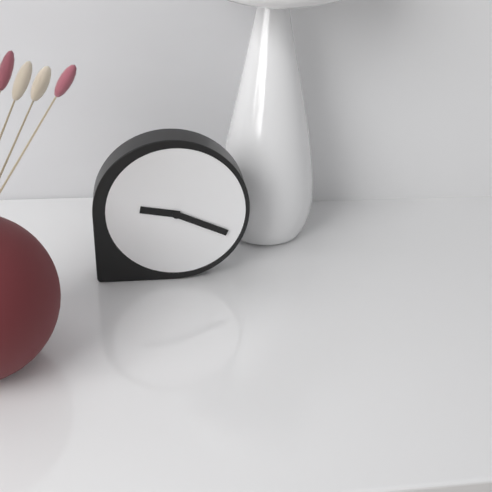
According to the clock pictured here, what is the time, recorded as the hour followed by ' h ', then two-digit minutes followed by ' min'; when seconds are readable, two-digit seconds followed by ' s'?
9 h 19 min
